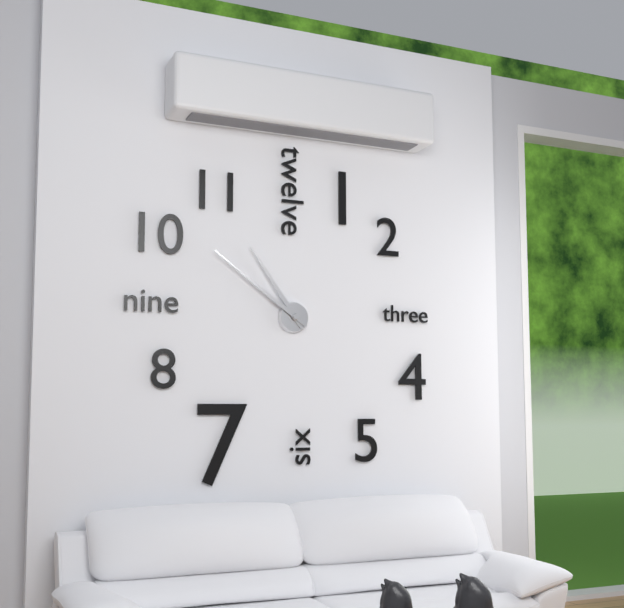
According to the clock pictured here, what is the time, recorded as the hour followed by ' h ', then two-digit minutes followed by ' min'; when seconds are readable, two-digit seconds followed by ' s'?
10 h 51 min
